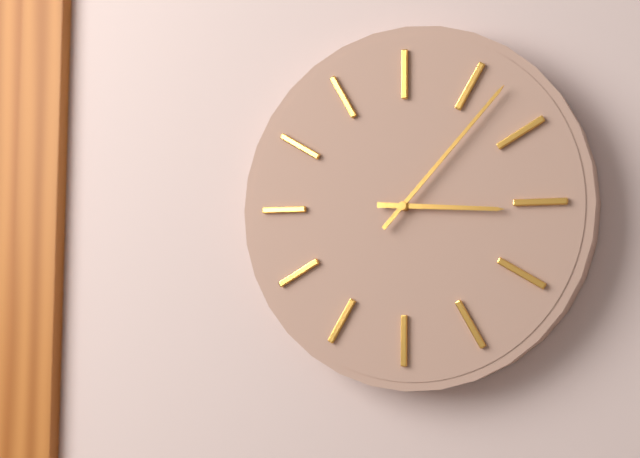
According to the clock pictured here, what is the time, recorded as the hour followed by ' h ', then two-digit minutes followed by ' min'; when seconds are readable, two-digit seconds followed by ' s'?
3 h 07 min
